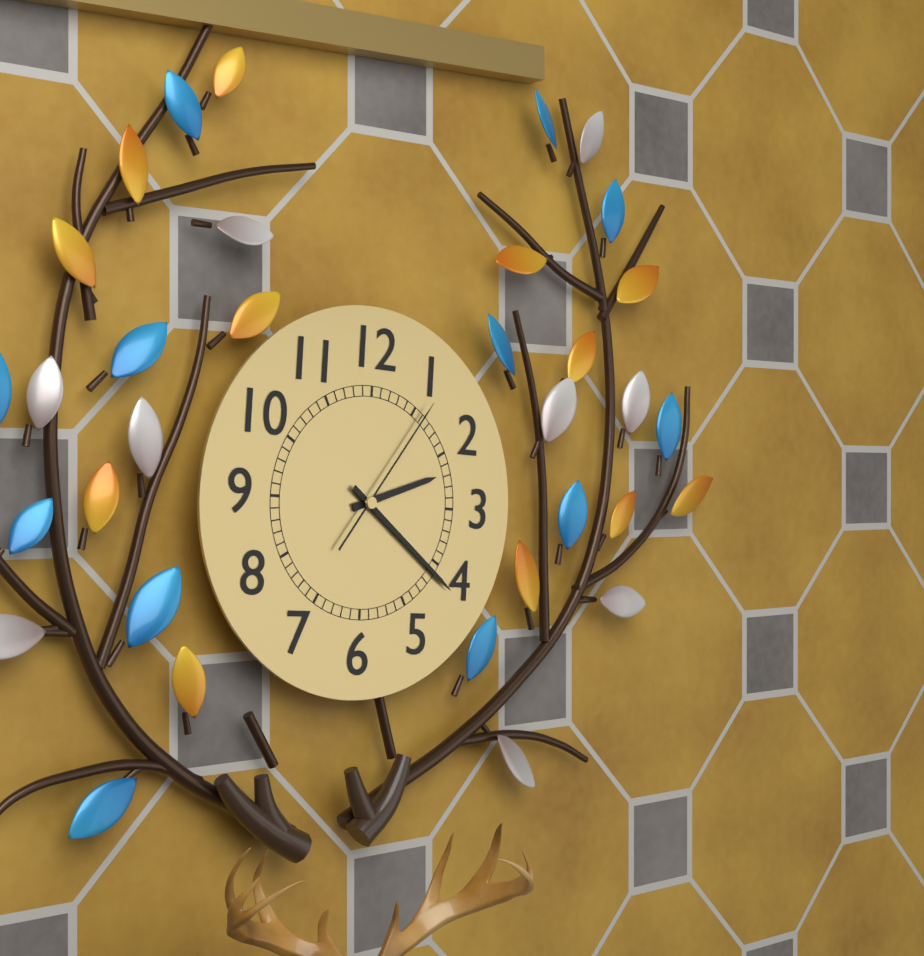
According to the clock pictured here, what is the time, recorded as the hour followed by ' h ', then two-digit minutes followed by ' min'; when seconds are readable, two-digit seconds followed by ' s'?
2 h 21 min 06 s
